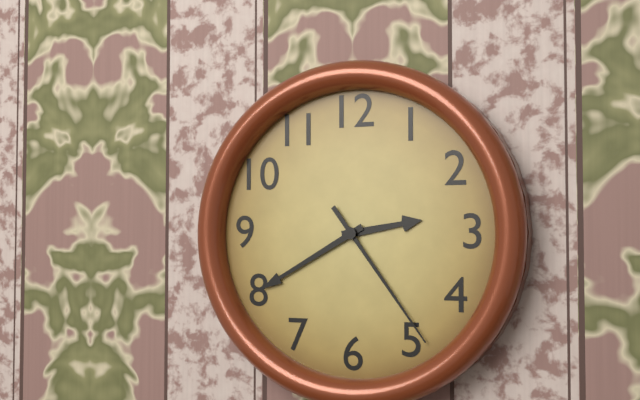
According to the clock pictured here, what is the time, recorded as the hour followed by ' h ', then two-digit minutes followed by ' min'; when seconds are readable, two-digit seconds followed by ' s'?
2 h 40 min 24 s
